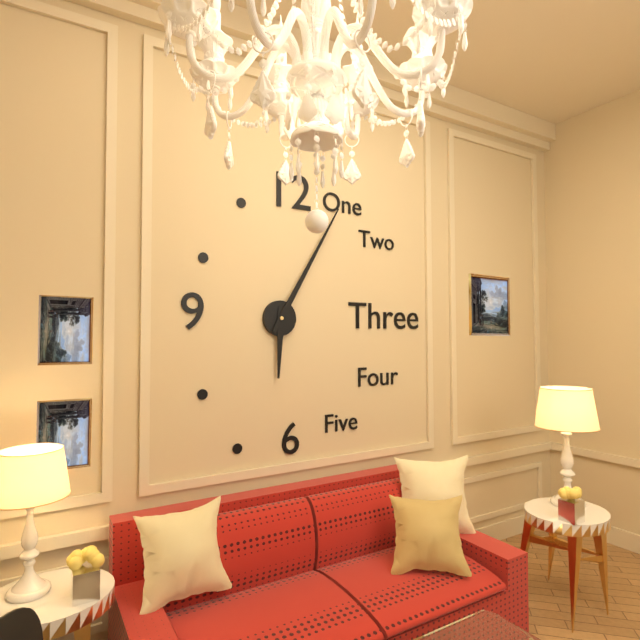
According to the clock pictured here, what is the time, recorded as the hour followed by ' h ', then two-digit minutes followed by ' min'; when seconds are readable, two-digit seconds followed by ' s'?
6 h 05 min
